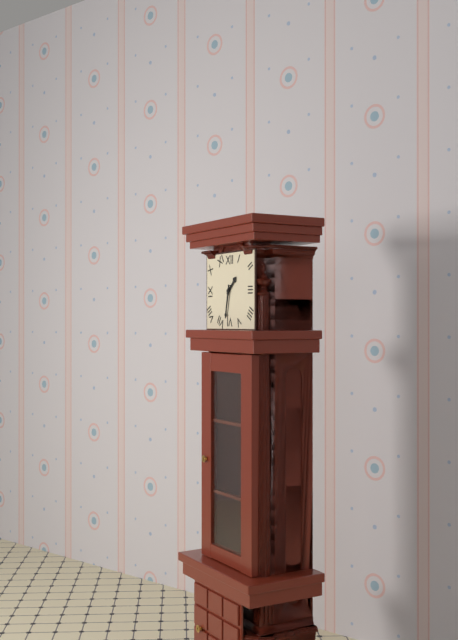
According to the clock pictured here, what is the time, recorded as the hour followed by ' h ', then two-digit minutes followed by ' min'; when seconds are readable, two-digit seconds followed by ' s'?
1 h 32 min
